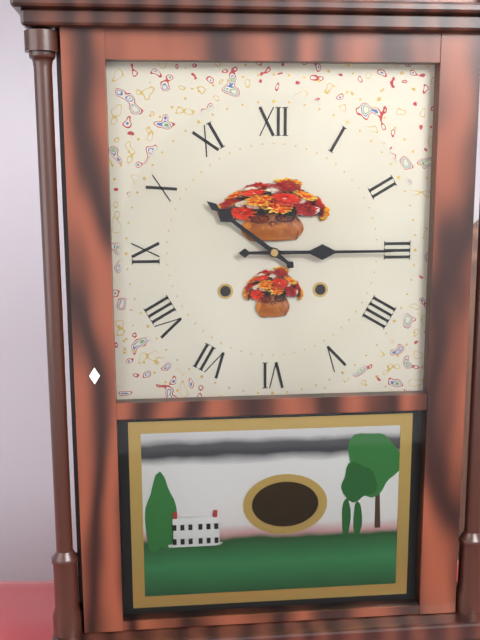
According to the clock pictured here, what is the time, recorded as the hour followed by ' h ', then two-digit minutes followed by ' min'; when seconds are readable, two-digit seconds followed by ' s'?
10 h 15 min
